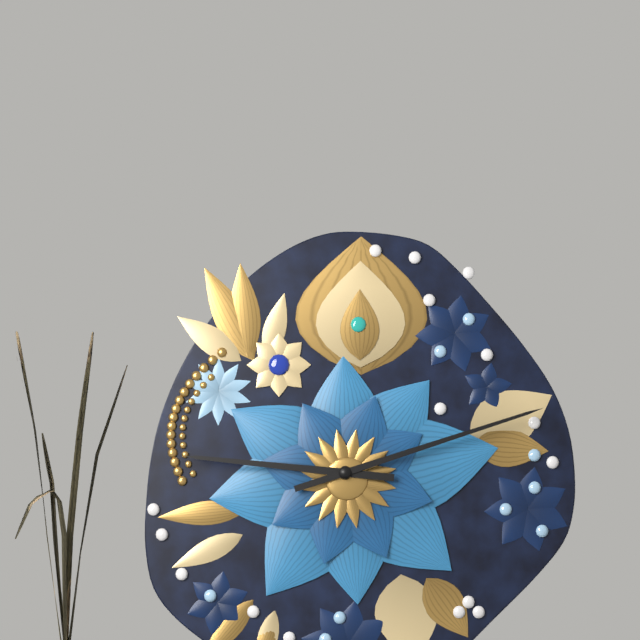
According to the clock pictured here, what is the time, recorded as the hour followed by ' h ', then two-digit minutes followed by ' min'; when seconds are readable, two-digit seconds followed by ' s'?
9 h 12 min
